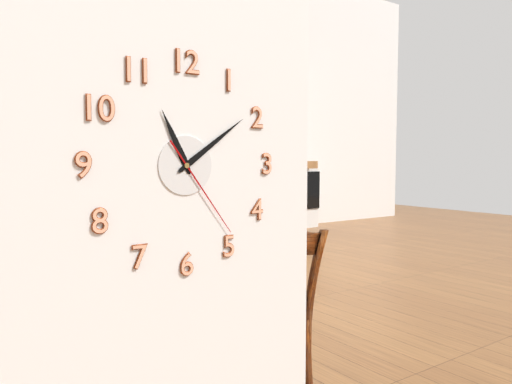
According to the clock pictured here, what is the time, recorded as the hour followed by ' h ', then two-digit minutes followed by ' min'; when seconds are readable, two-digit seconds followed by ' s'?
11 h 09 min 24 s
